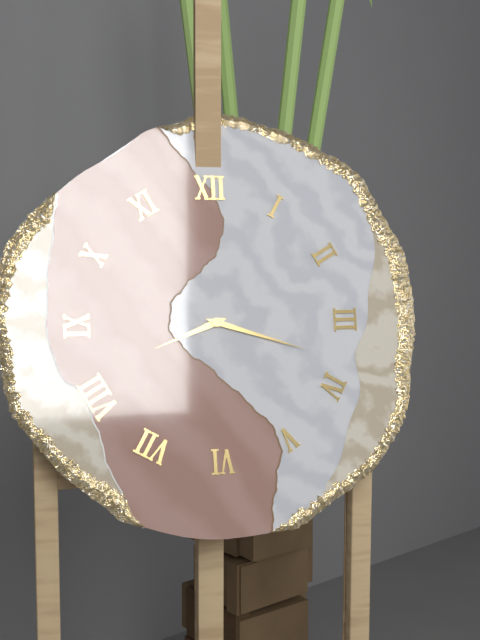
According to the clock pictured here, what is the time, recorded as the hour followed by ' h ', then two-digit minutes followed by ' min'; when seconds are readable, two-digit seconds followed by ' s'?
8 h 18 min
